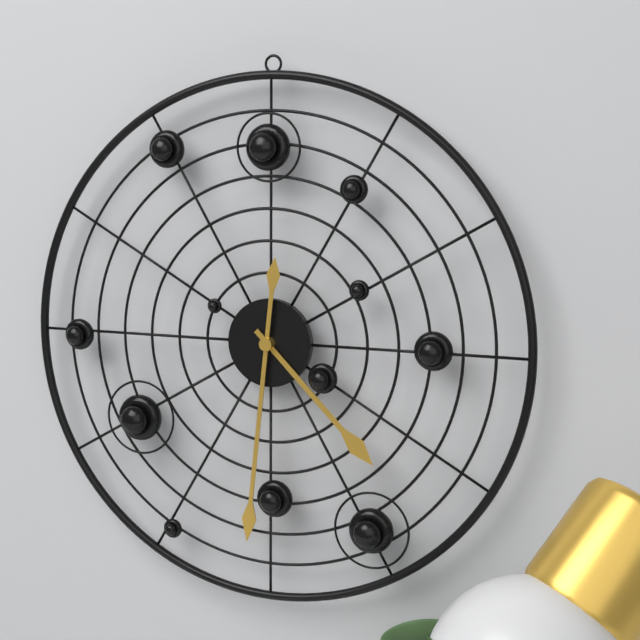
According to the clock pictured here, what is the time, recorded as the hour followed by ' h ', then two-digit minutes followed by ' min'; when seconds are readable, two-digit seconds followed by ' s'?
4 h 31 min
